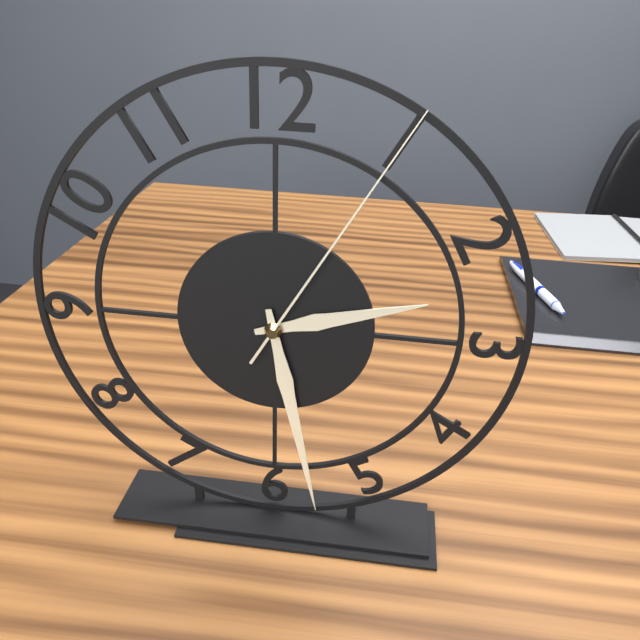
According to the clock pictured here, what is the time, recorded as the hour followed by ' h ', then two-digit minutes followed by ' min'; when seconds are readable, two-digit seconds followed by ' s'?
2 h 28 min 05 s
